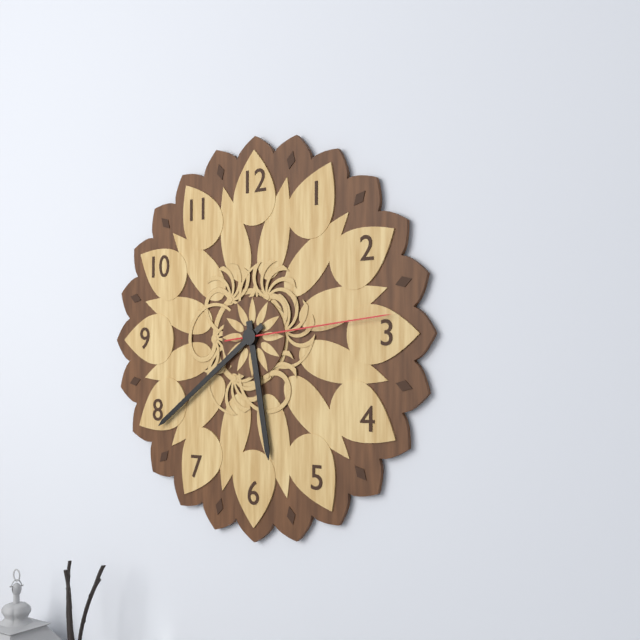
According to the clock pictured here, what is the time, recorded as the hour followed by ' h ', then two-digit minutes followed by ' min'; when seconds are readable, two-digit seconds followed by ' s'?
5 h 39 min 14 s
